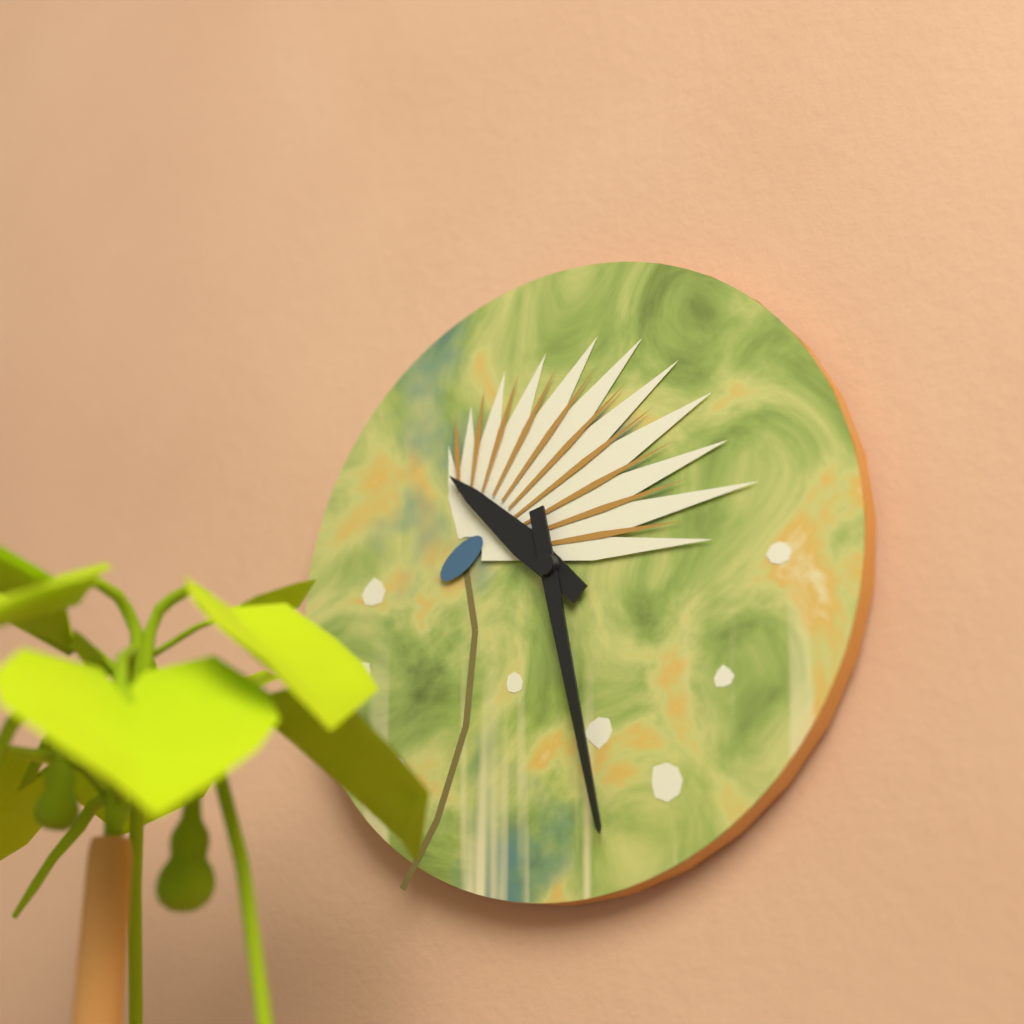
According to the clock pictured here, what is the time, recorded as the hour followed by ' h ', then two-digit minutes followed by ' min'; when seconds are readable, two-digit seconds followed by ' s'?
10 h 28 min
